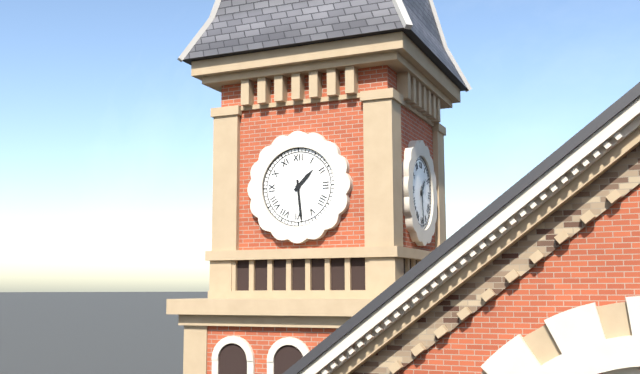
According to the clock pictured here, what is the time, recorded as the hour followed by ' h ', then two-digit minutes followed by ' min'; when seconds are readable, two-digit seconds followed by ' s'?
1 h 29 min
